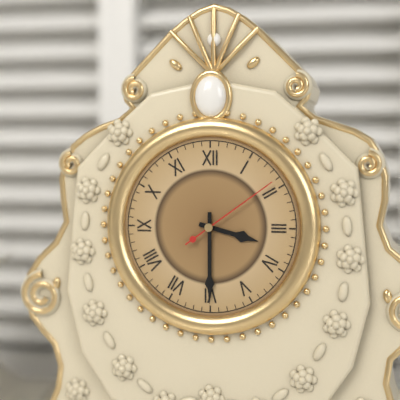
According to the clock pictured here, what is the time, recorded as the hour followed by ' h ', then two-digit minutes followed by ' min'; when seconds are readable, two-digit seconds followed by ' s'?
3 h 30 min 09 s
